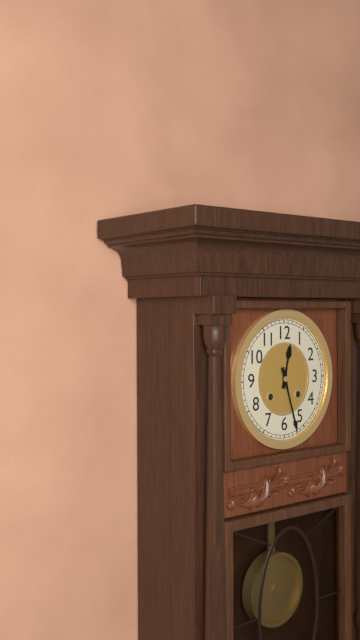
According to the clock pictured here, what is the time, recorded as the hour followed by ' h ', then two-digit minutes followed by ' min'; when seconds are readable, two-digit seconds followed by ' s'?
12 h 27 min
